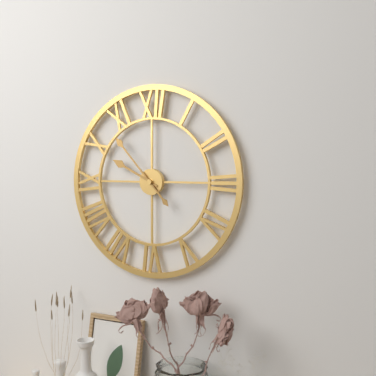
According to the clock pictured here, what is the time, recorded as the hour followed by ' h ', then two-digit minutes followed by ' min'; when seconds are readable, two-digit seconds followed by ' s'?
9 h 53 min
